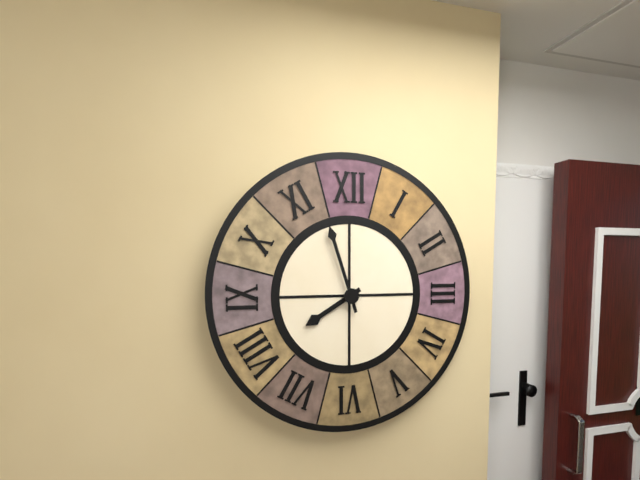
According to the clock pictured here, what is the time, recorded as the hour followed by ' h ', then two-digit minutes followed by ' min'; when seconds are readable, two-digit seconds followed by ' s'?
7 h 57 min
